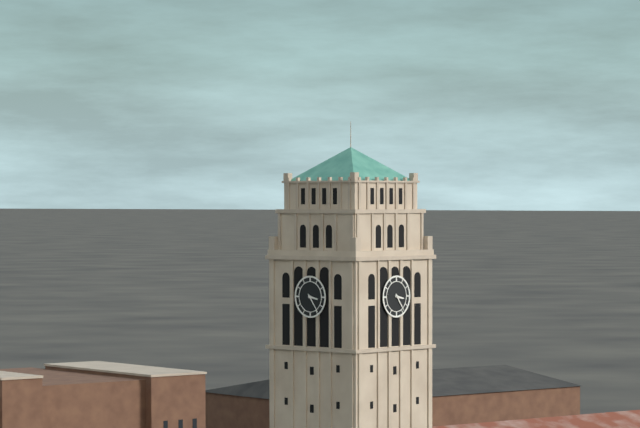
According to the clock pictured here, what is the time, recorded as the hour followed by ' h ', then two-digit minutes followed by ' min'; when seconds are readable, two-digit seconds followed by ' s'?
3 h 24 min
